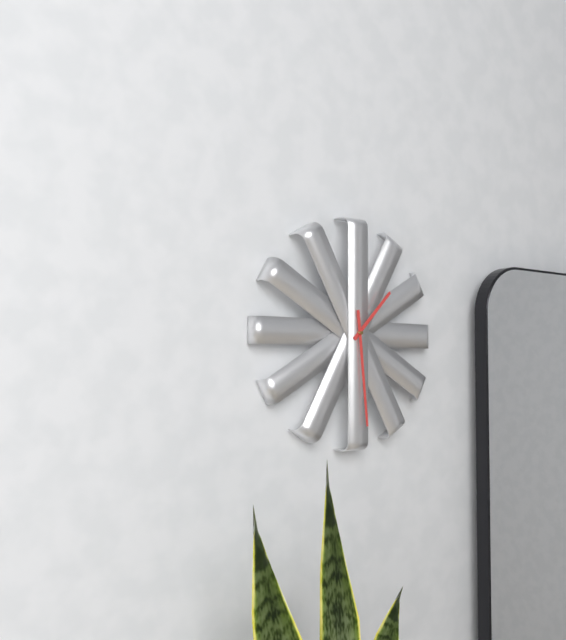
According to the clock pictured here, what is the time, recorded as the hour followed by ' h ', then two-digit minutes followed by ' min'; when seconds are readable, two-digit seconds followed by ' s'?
1 h 29 min
